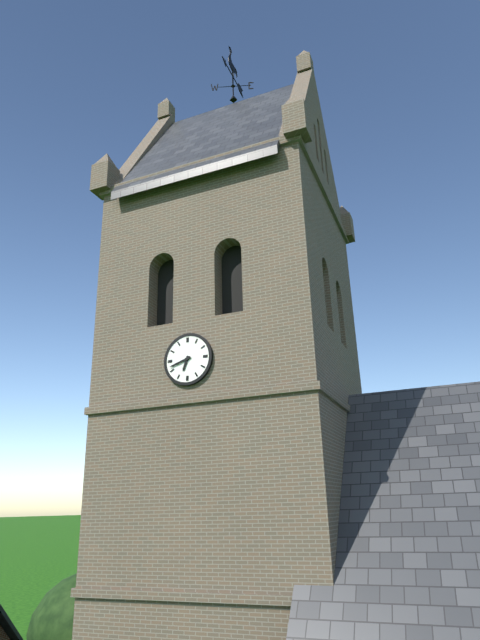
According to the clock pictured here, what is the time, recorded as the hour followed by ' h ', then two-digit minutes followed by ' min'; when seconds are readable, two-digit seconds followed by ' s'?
6 h 42 min
